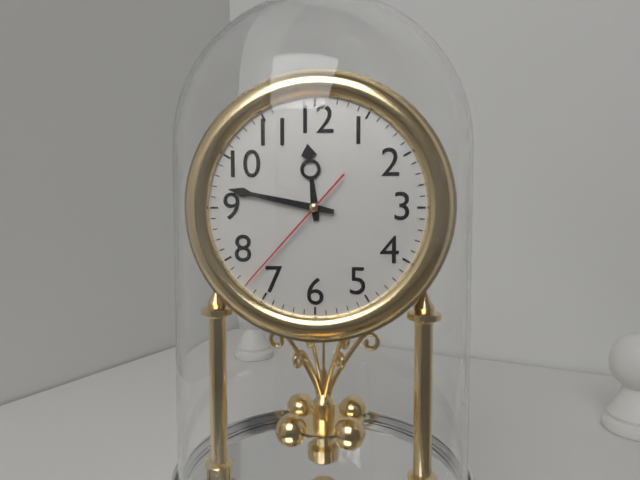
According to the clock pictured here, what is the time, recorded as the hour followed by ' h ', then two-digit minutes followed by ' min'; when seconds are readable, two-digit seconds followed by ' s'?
11 h 47 min 37 s
